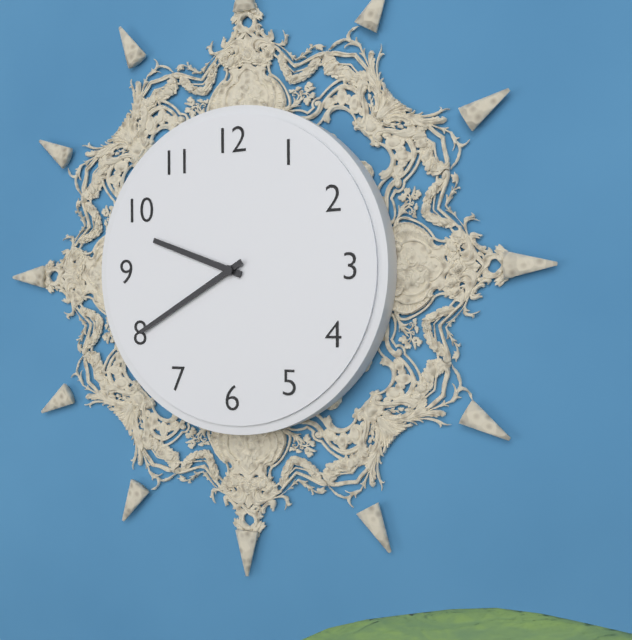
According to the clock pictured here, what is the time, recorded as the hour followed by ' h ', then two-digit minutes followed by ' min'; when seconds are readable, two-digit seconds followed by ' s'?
9 h 40 min
